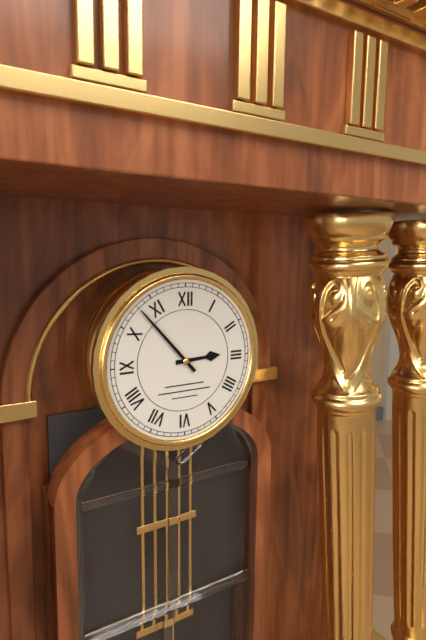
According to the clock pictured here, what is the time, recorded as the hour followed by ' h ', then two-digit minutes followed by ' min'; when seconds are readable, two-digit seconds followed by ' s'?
2 h 53 min
